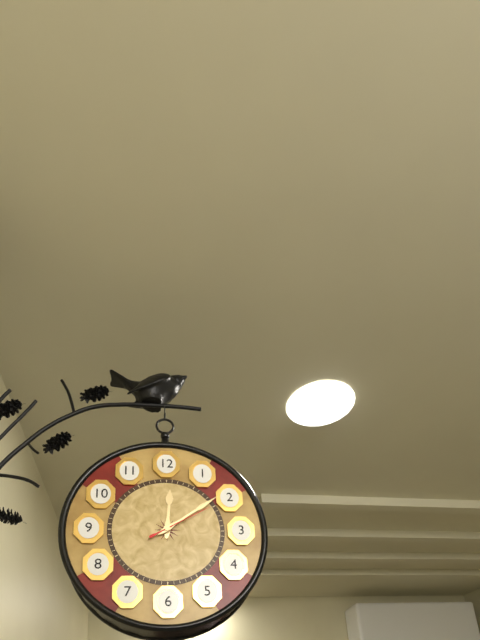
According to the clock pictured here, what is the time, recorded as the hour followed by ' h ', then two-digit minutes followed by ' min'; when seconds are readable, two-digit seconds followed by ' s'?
12 h 09 min 10 s
